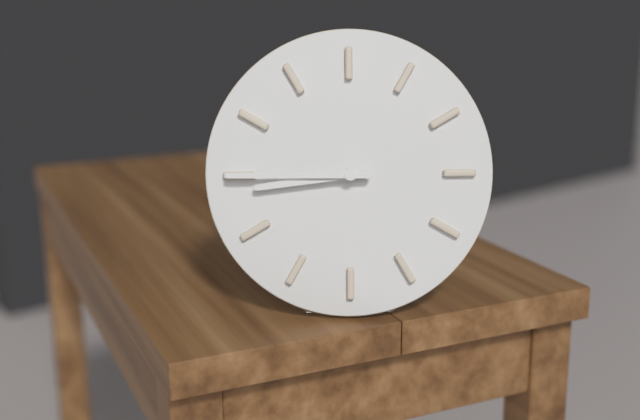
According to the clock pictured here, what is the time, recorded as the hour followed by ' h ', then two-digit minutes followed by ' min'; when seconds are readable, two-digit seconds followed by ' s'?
8 h 45 min
